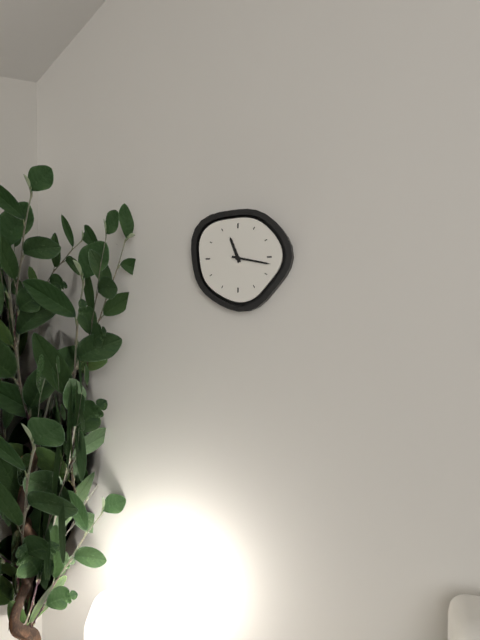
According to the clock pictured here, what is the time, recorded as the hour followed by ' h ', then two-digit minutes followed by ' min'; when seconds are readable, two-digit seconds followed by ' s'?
11 h 17 min
